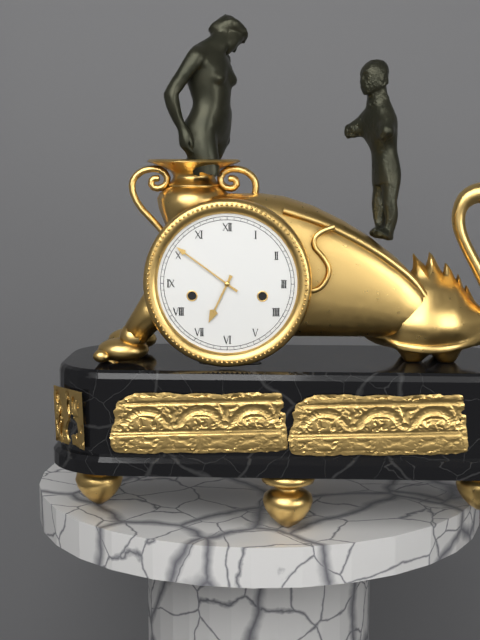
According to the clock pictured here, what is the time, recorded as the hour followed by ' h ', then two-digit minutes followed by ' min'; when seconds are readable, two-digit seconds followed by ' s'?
6 h 51 min
